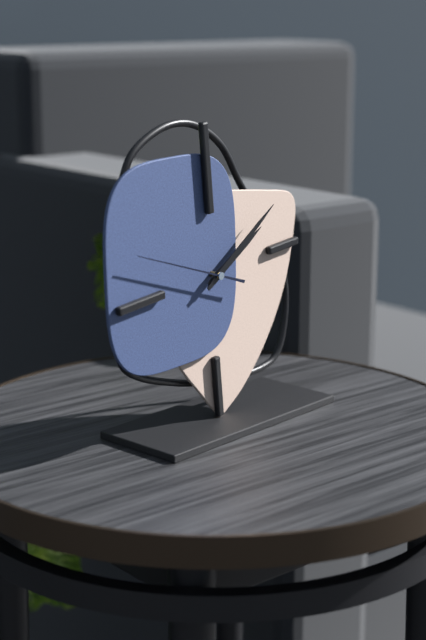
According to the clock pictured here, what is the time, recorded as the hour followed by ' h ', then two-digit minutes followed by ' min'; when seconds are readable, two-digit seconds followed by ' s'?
2 h 10 min 49 s
